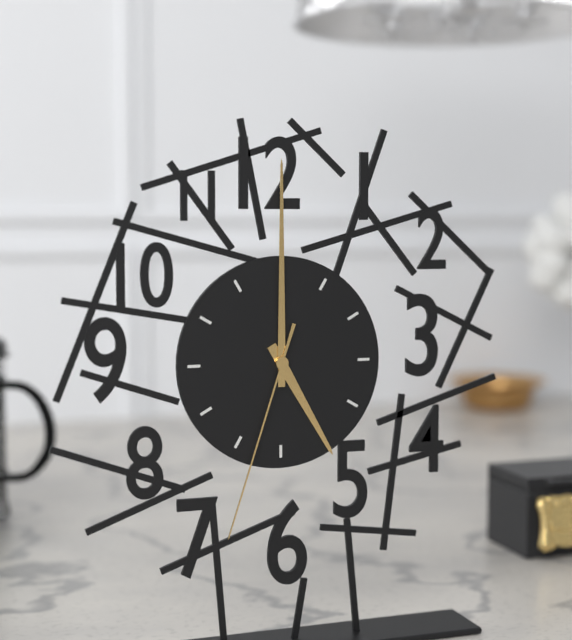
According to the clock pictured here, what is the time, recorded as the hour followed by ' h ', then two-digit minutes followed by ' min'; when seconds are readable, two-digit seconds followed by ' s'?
5 h 00 min 33 s
